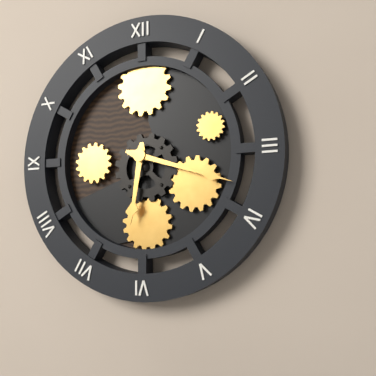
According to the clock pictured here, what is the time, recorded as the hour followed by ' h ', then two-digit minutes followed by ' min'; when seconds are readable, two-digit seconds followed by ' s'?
6 h 18 min
